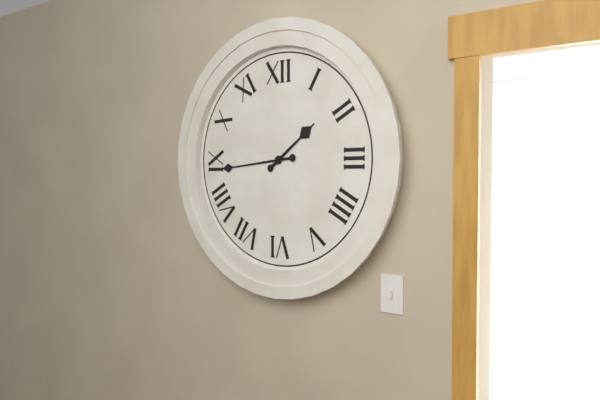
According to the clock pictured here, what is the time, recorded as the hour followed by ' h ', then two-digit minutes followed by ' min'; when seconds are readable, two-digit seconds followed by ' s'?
1 h 44 min
